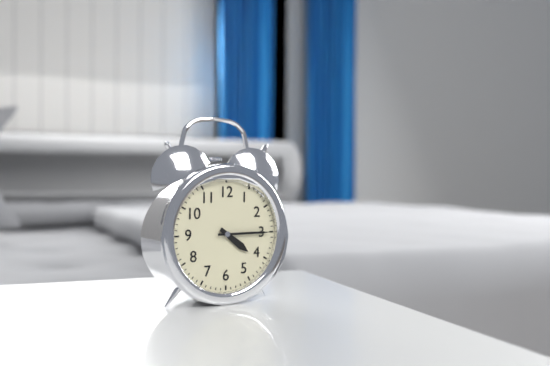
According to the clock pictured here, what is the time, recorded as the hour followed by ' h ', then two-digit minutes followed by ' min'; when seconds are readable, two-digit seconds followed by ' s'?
4 h 15 min
